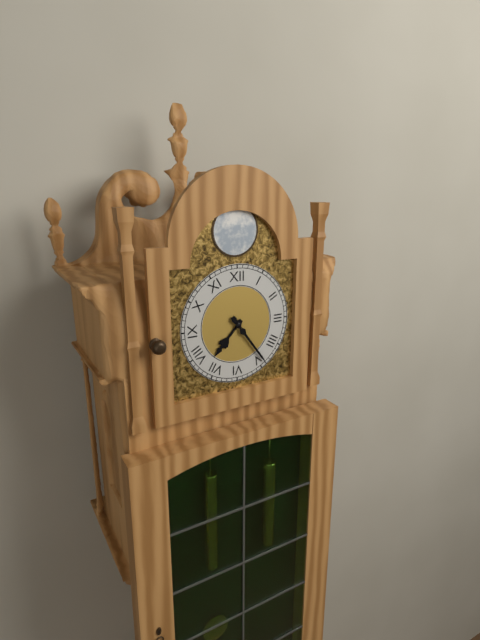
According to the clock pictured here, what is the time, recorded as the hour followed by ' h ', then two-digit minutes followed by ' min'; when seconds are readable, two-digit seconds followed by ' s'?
7 h 24 min
